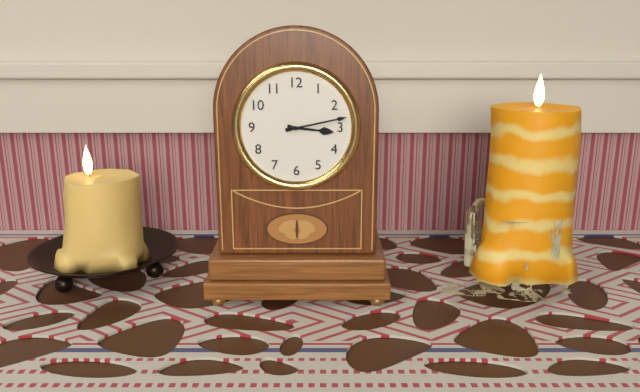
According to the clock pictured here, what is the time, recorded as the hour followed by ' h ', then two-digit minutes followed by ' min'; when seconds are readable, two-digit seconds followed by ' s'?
3 h 13 min
